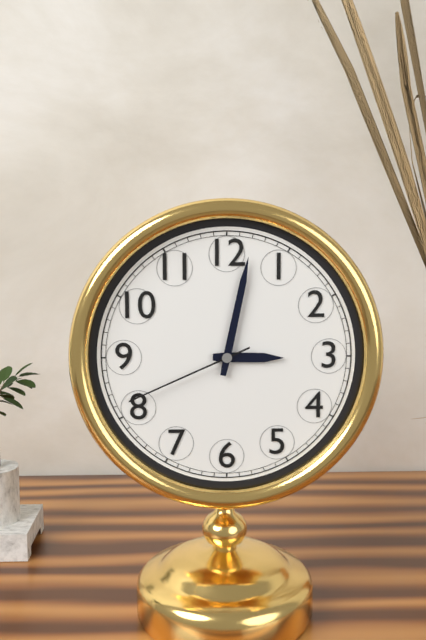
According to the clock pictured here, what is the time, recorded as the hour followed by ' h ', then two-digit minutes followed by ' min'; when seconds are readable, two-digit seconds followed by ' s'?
3 h 02 min 41 s
